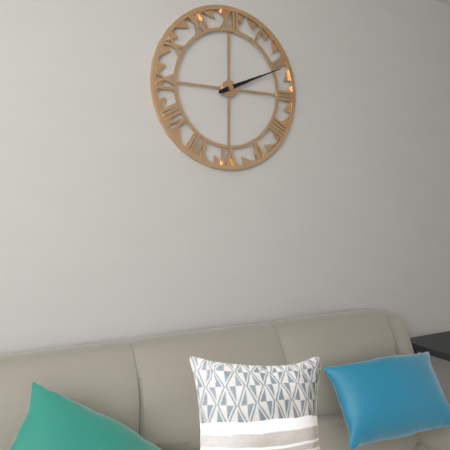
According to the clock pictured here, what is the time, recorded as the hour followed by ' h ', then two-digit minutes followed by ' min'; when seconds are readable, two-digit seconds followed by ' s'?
2 h 11 min
